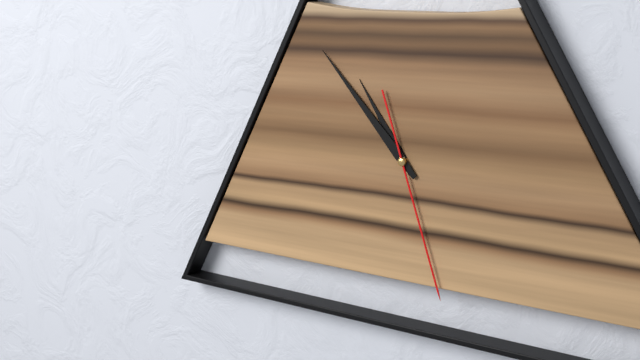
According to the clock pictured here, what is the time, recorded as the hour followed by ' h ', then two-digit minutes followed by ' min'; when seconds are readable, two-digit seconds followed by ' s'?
10 h 53 min 27 s
